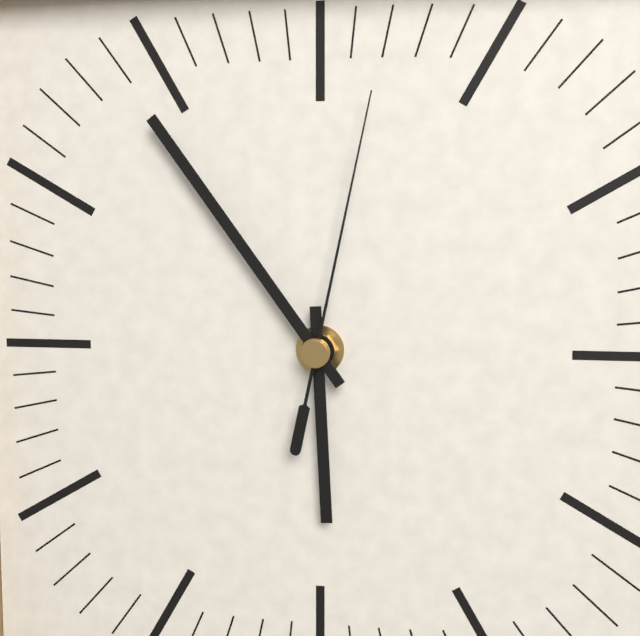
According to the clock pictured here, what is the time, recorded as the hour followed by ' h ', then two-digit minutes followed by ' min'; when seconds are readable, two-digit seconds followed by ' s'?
5 h 54 min 02 s
